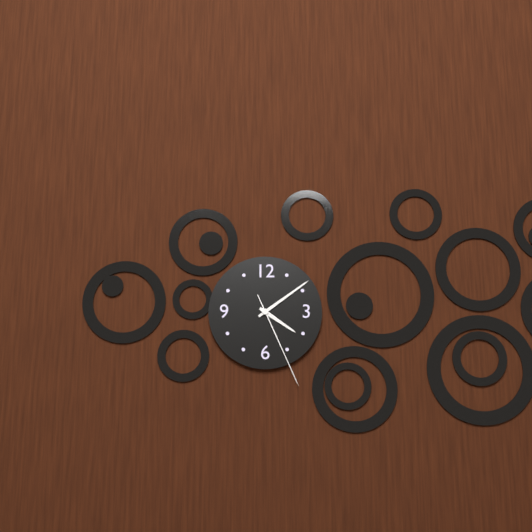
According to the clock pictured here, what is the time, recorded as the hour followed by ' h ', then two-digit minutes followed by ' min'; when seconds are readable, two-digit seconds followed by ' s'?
4 h 09 min 26 s
